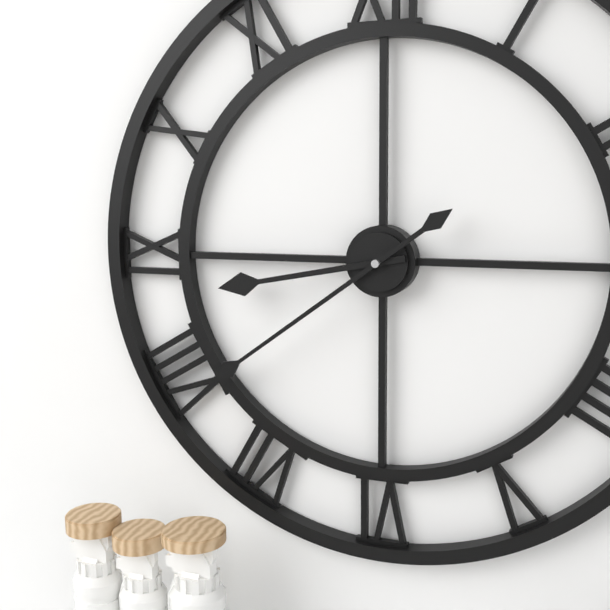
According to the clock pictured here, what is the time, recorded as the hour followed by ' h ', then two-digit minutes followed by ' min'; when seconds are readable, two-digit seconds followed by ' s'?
8 h 39 min
